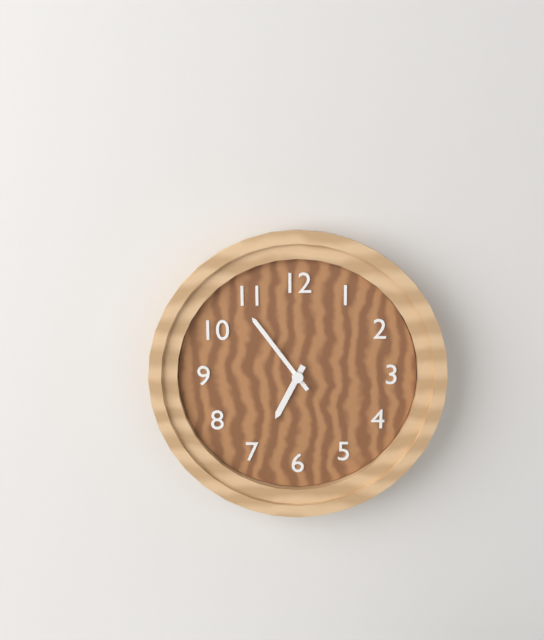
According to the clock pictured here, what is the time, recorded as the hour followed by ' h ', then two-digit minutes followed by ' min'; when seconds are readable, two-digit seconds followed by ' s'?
6 h 54 min
